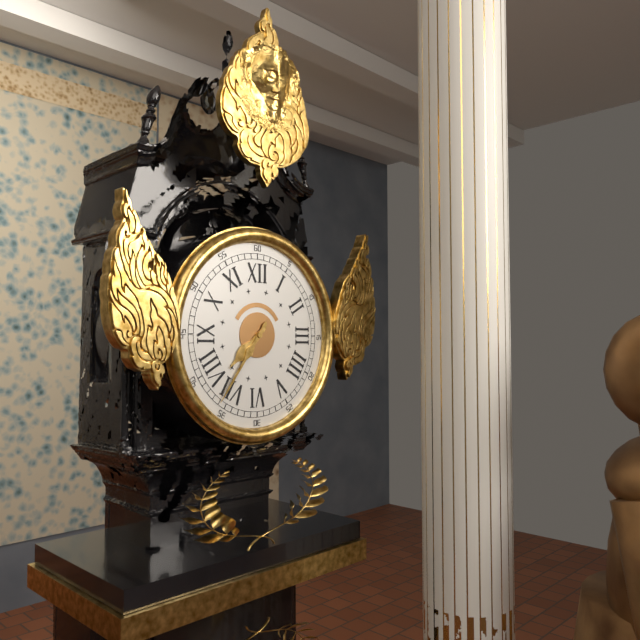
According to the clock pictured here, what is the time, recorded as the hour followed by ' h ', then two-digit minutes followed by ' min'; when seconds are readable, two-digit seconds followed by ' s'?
7 h 36 min
